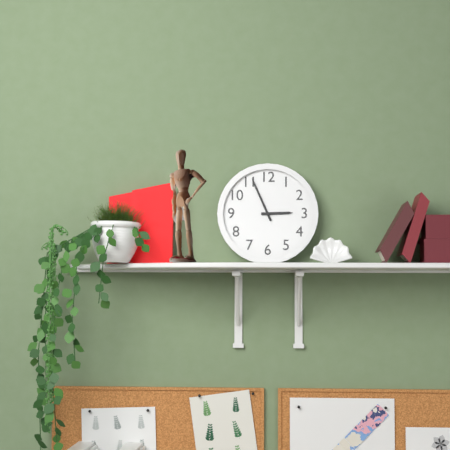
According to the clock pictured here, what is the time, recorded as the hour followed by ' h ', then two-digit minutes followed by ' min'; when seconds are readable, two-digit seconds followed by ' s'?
2 h 56 min
